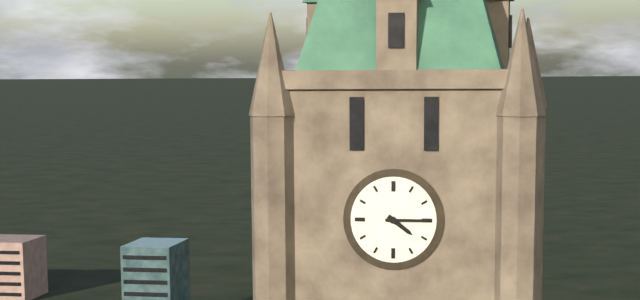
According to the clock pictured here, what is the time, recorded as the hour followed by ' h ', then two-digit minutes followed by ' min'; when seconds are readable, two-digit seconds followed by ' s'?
4 h 15 min
